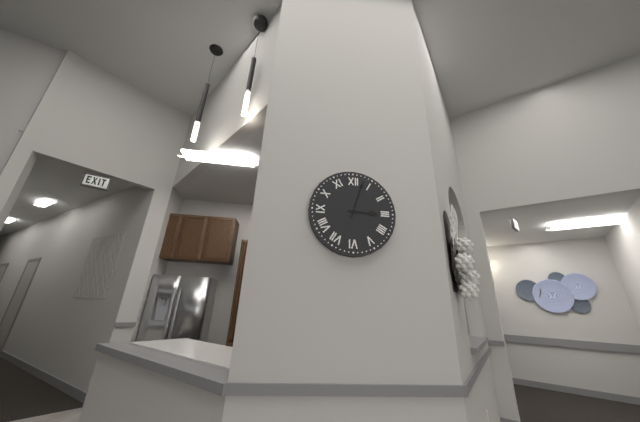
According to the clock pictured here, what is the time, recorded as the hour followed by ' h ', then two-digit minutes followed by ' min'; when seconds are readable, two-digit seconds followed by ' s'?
3 h 03 min
